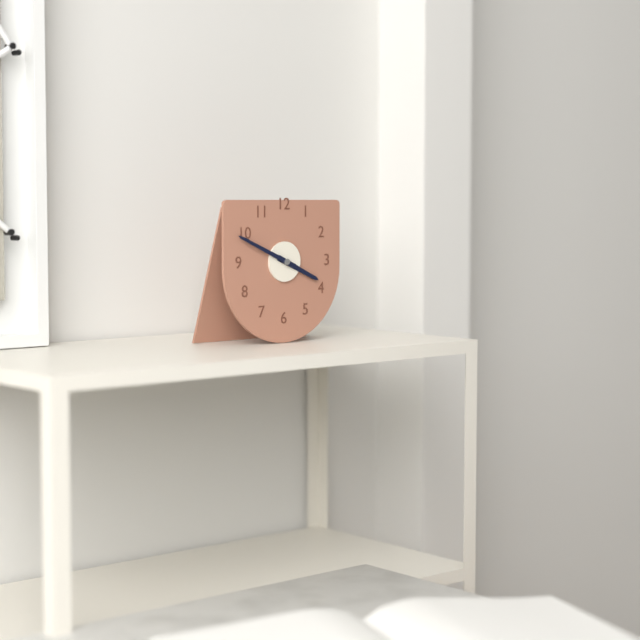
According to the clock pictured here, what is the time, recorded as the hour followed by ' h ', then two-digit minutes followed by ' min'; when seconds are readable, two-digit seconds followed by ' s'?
3 h 49 min
